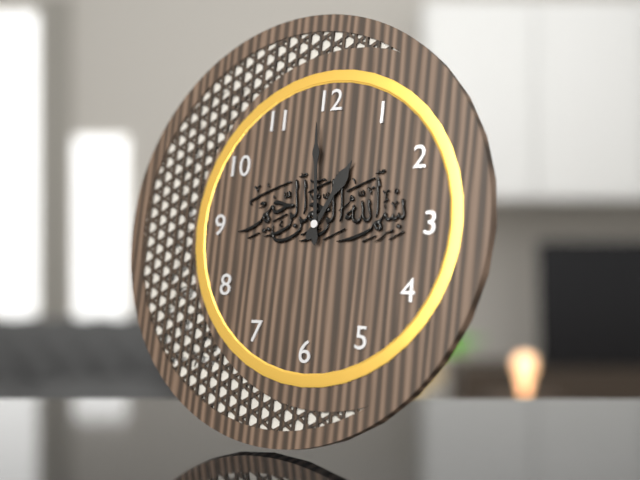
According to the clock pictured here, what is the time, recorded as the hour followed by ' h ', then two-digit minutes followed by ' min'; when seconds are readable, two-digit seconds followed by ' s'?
12 h 59 min
